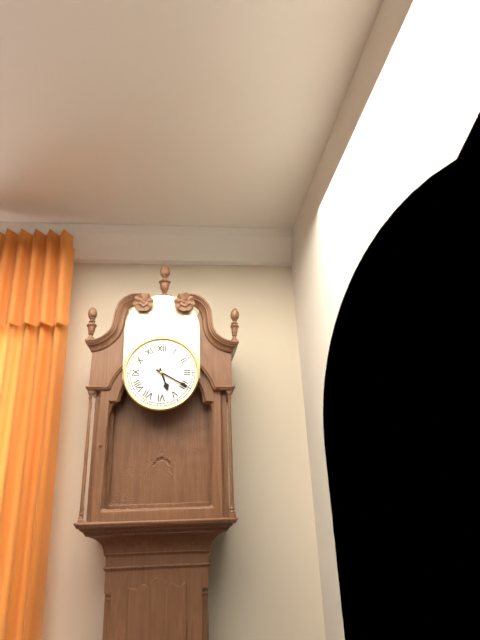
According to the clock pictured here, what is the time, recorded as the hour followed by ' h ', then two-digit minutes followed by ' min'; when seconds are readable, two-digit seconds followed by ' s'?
5 h 20 min
